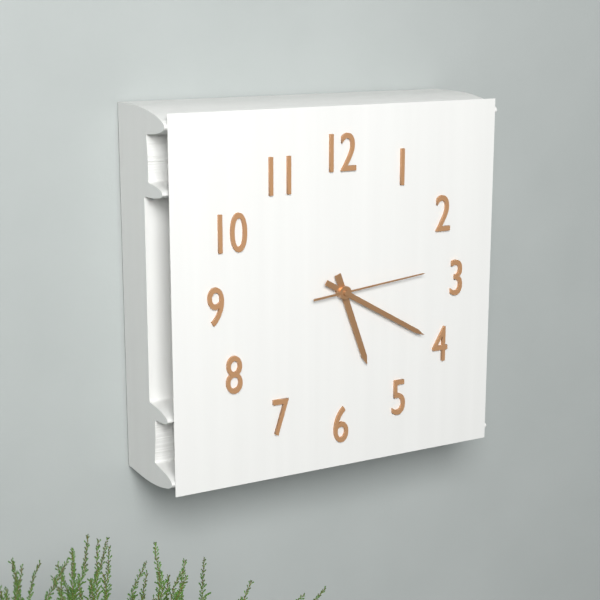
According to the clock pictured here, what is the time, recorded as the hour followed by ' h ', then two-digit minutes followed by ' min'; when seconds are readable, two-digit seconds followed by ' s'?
5 h 20 min 14 s
